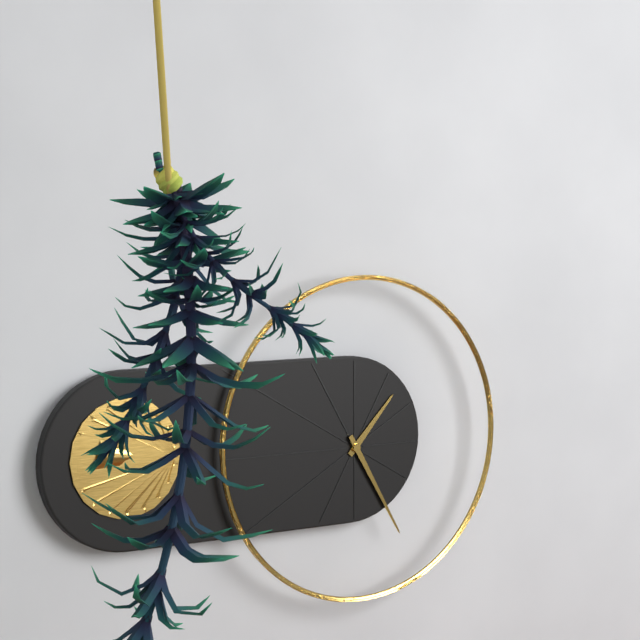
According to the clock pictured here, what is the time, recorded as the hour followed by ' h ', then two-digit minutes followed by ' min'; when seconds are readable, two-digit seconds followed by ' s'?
1 h 25 min
